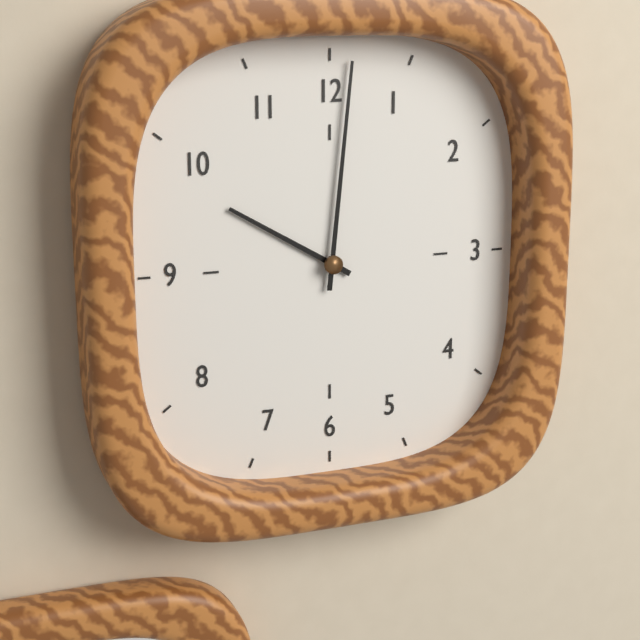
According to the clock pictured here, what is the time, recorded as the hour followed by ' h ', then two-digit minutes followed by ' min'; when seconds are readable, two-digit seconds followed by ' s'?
10 h 01 min
